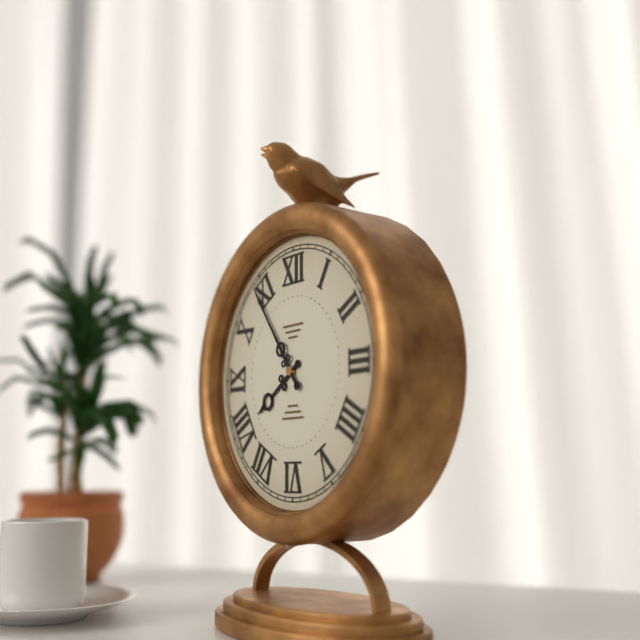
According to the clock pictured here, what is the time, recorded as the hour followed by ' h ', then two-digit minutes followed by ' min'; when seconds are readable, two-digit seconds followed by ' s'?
7 h 54 min
